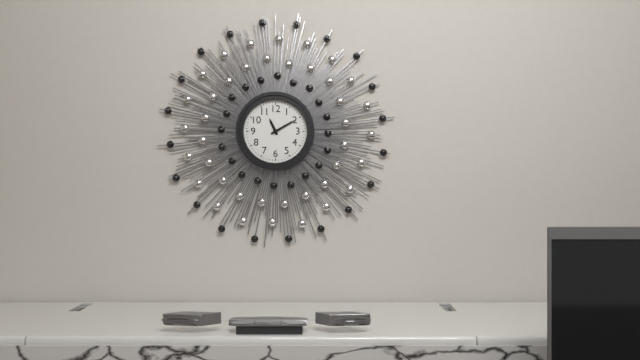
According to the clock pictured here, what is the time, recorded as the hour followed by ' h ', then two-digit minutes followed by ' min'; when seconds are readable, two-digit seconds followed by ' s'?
11 h 10 min
